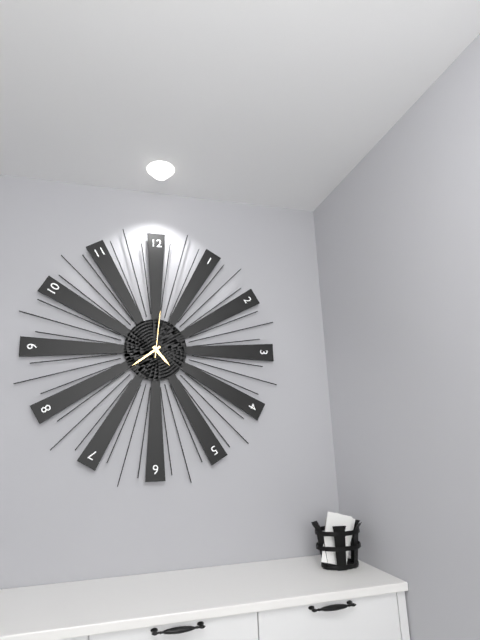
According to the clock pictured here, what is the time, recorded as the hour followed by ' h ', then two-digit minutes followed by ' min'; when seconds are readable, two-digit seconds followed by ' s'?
4 h 39 min
